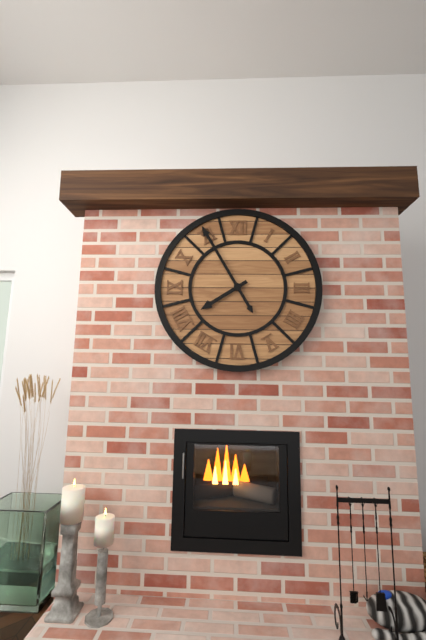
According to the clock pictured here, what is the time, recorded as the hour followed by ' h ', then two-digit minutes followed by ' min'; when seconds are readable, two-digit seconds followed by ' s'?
7 h 55 min
